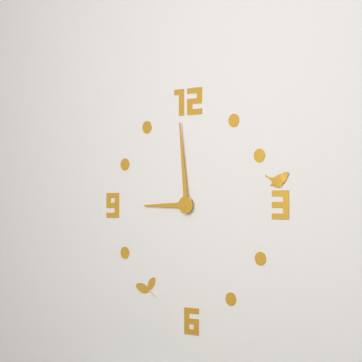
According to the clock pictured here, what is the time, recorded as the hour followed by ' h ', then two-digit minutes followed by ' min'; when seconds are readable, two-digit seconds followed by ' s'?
8 h 59 min
